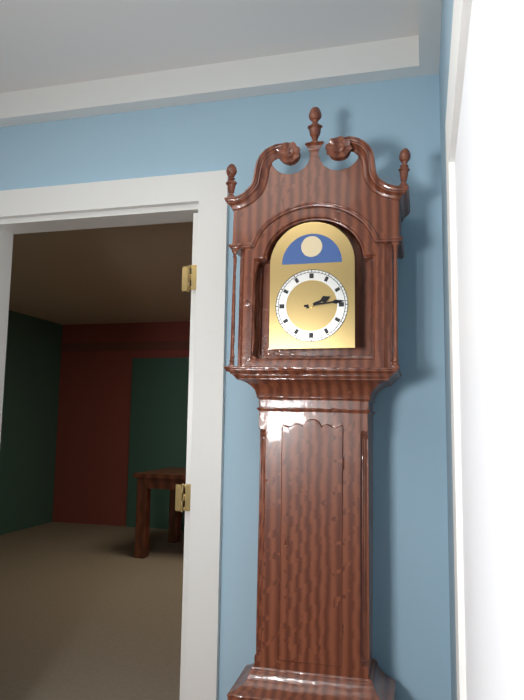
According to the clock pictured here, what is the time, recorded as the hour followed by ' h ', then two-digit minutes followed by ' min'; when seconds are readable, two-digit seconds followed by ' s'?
2 h 14 min
